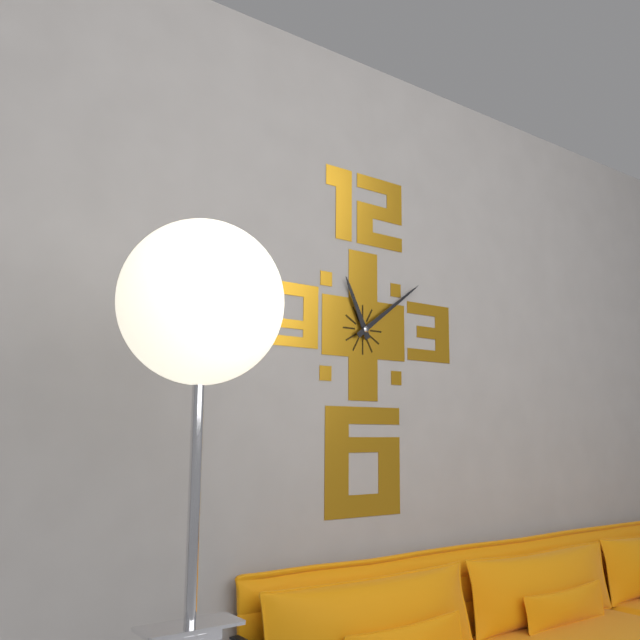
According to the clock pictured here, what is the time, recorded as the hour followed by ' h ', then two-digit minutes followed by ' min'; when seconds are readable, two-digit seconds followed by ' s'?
11 h 09 min
